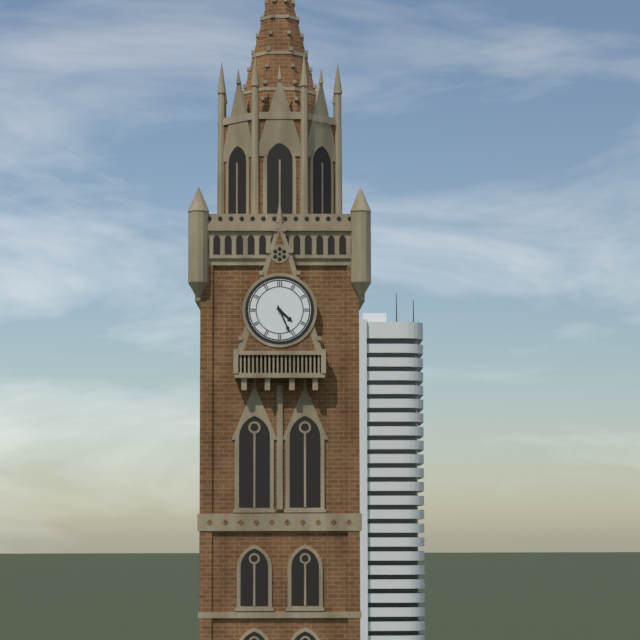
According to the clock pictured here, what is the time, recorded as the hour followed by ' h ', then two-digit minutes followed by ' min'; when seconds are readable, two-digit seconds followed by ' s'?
4 h 26 min
